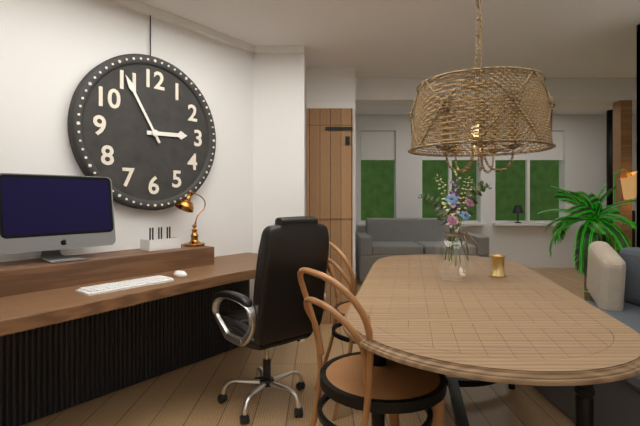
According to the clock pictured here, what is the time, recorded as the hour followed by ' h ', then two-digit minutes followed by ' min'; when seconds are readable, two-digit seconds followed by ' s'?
2 h 55 min
